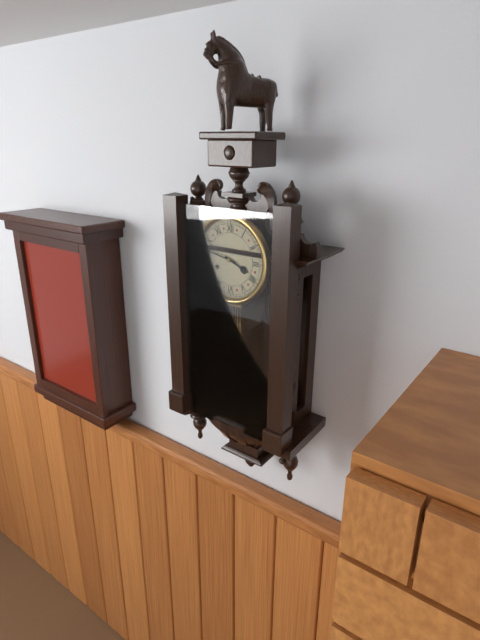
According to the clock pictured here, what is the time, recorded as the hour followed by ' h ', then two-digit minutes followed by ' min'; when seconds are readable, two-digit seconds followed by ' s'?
3 h 47 min
